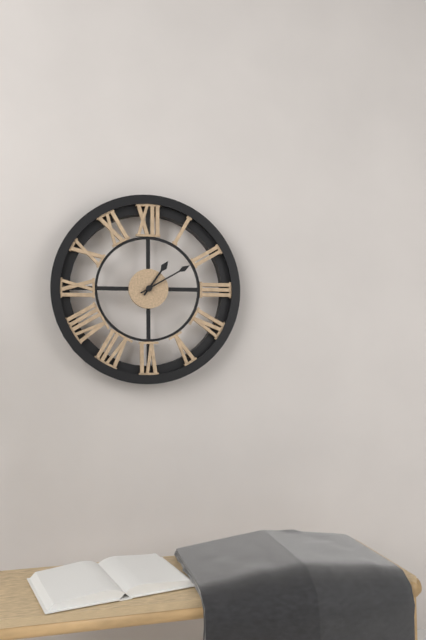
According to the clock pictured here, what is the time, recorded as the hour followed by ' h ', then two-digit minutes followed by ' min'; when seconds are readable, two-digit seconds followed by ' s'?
1 h 10 min
